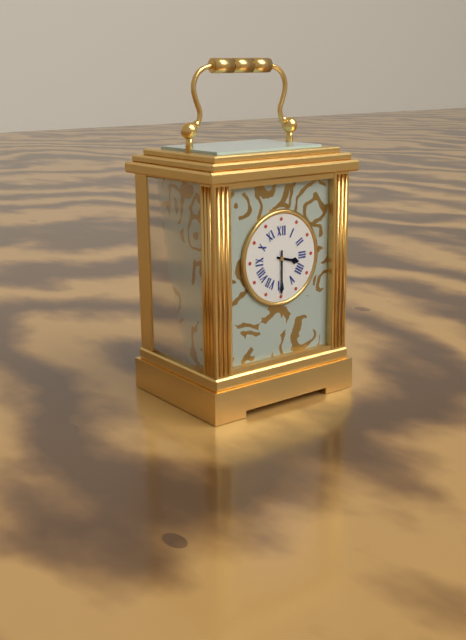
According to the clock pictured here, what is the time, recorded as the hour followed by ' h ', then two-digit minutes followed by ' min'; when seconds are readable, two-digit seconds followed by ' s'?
3 h 30 min
